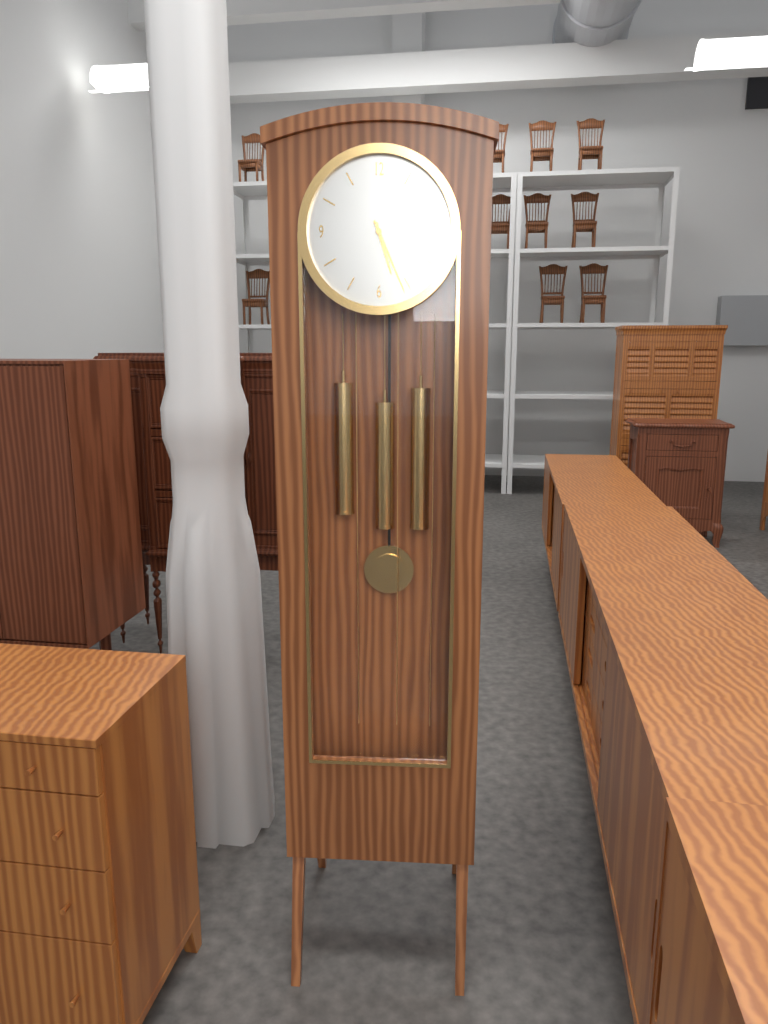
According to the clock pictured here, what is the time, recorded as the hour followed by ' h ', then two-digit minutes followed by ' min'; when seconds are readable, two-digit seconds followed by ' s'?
5 h 26 min
